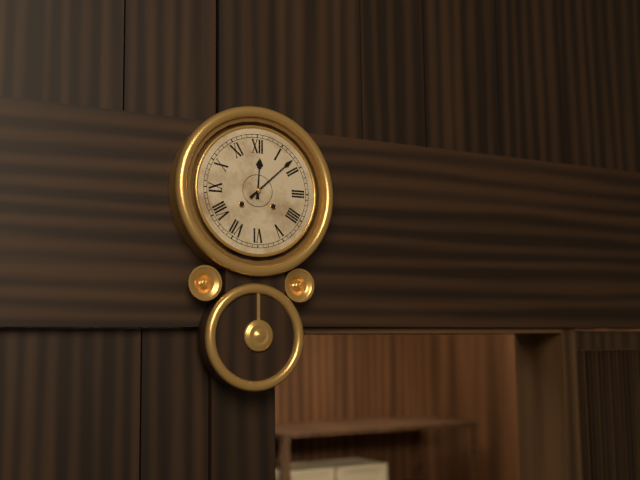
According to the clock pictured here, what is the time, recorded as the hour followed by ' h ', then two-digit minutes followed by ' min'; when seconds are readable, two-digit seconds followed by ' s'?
12 h 08 min
